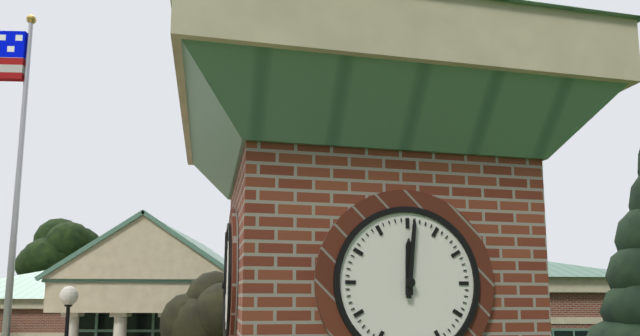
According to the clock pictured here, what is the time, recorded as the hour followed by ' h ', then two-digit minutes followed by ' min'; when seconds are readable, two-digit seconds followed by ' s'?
12 h 01 min
